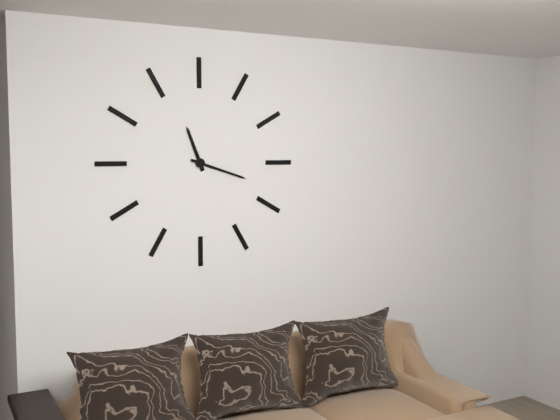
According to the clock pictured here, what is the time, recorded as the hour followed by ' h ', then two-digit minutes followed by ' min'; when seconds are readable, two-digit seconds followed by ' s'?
11 h 18 min
